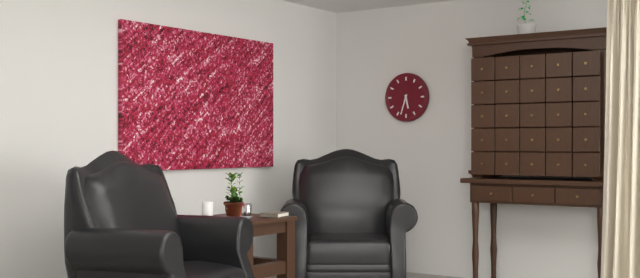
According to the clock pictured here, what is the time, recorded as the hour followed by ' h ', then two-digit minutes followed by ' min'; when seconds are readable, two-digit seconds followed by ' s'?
5 h 33 min
